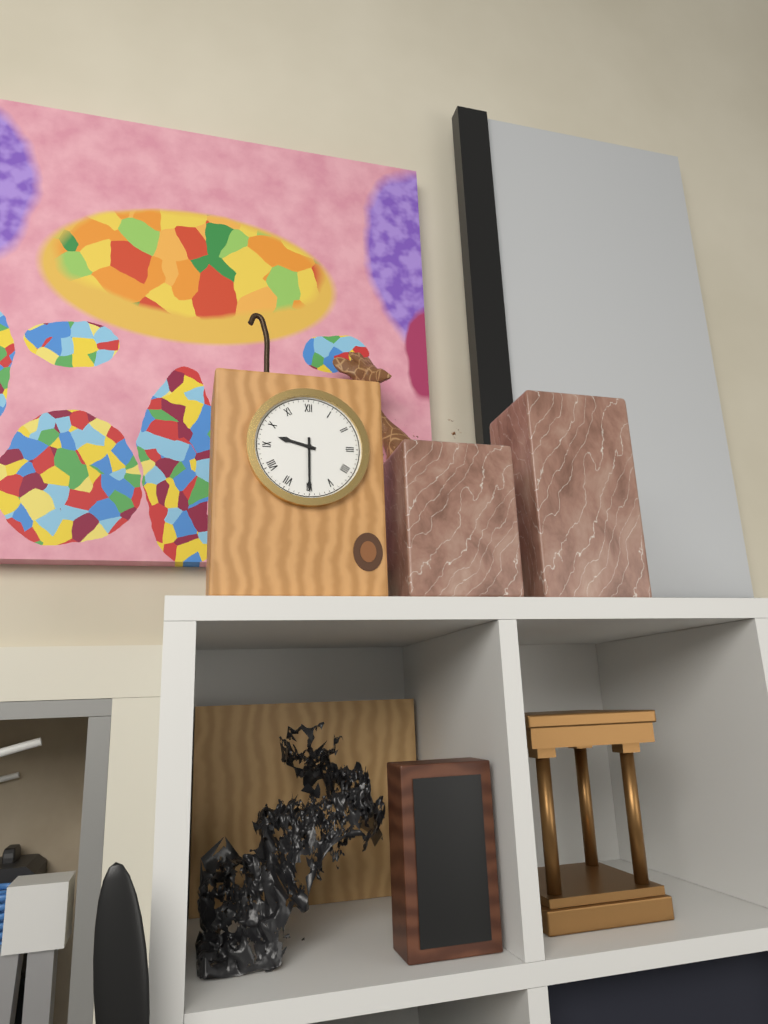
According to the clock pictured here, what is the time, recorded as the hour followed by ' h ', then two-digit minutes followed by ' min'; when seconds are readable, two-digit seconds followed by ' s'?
9 h 30 min
